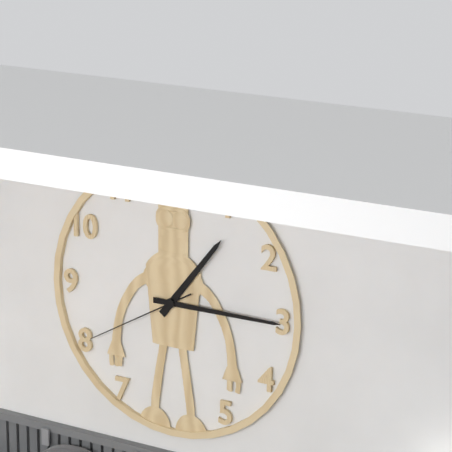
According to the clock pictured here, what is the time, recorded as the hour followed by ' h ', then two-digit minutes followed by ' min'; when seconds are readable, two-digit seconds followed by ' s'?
1 h 15 min 40 s
